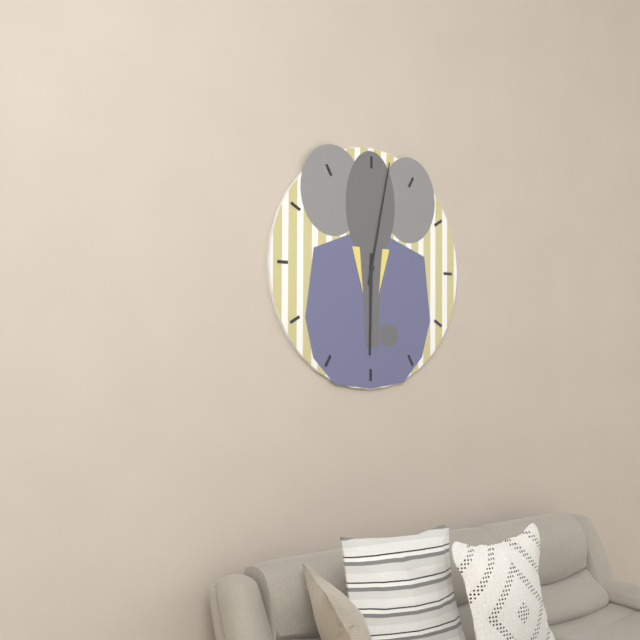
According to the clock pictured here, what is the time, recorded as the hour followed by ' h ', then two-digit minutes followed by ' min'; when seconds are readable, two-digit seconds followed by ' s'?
6 h 02 min
